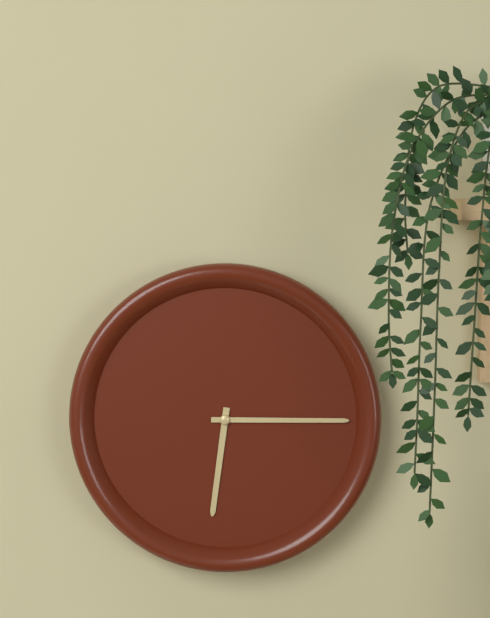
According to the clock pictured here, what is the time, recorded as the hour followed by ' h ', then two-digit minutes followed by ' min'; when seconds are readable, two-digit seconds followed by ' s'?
6 h 15 min
